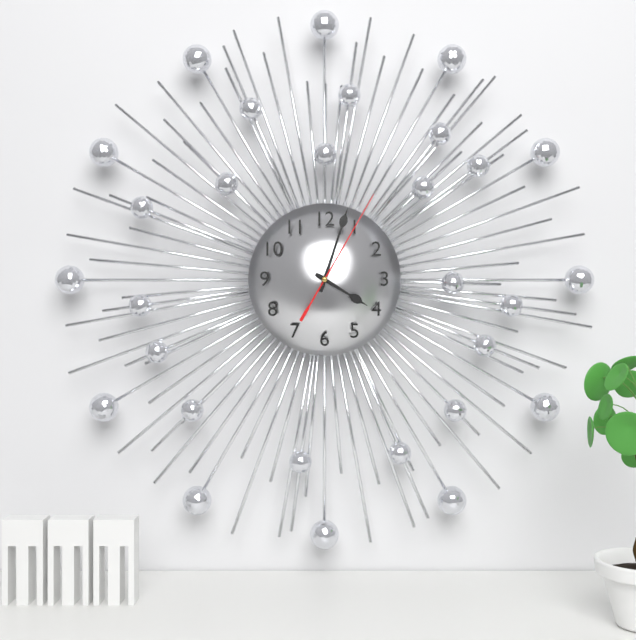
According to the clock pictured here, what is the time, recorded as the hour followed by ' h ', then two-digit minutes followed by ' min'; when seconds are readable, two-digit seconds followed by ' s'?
4 h 03 min 05 s
